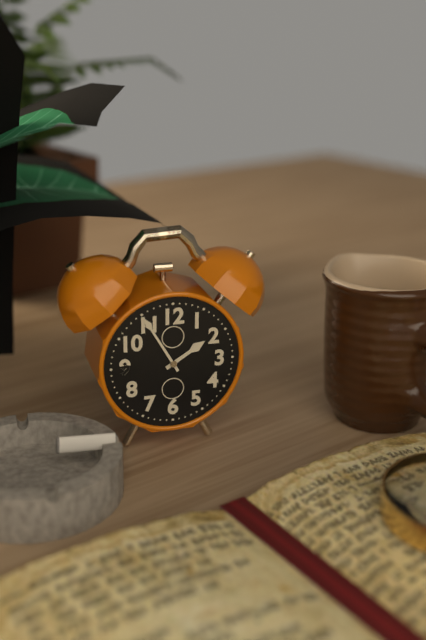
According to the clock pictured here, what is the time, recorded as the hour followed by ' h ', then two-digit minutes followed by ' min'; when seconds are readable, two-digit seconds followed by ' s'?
1 h 55 min
